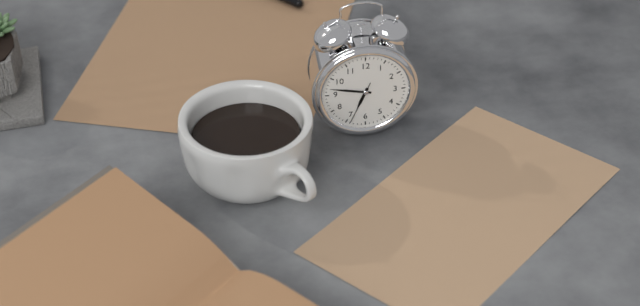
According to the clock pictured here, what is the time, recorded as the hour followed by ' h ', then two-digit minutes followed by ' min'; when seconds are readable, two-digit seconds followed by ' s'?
6 h 47 min
